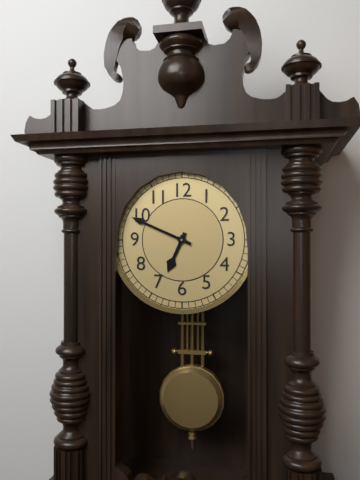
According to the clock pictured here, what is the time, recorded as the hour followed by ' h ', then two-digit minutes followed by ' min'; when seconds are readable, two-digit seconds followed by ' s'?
6 h 49 min
